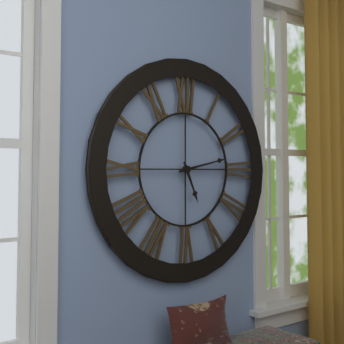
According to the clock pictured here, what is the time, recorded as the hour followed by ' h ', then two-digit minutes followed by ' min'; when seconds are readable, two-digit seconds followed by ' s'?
5 h 13 min
